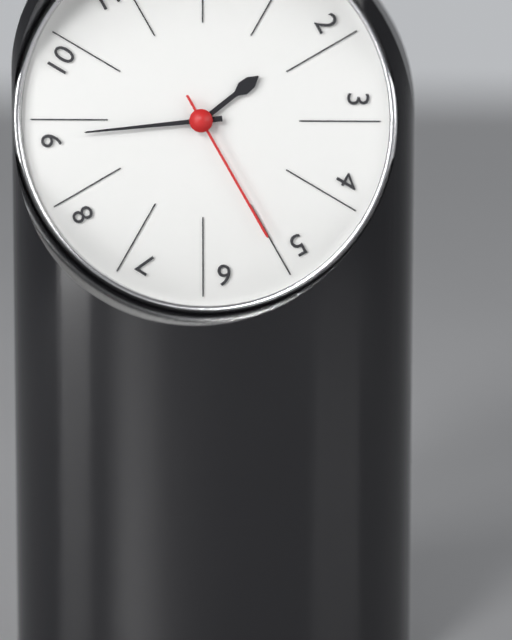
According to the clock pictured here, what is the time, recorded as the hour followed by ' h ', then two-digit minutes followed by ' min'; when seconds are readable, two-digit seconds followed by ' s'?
1 h 44 min 25 s
